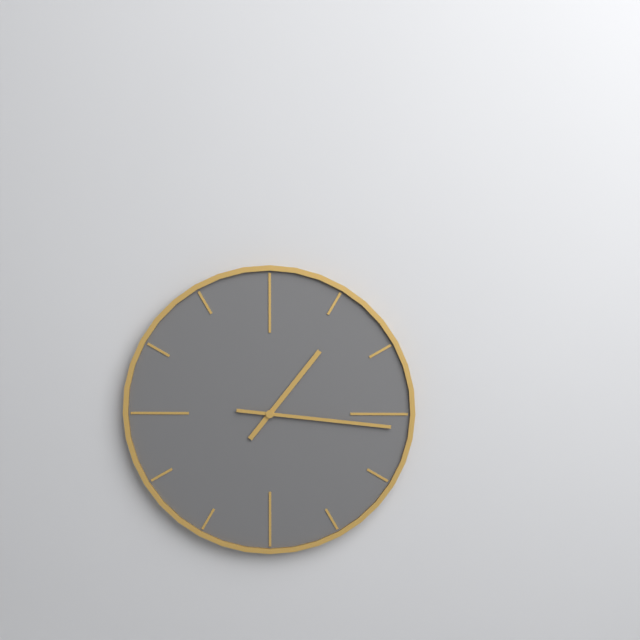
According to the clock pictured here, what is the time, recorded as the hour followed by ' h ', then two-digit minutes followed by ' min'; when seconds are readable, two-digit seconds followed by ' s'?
1 h 16 min
